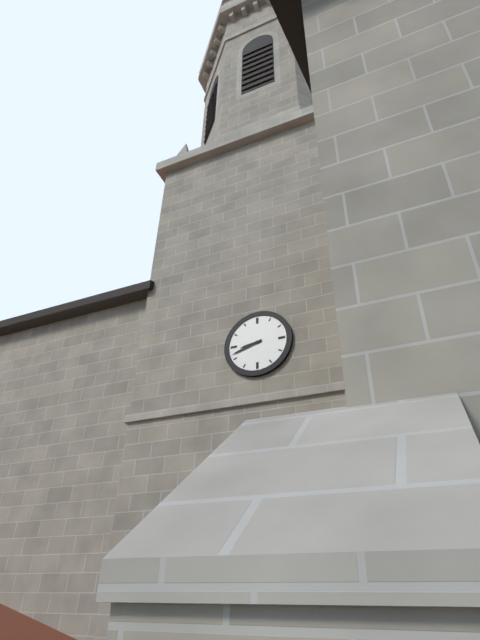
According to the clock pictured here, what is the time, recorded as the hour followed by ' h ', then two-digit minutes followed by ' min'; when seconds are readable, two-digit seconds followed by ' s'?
8 h 42 min
